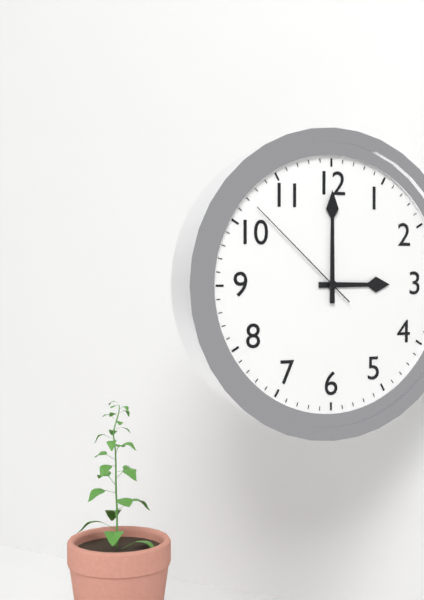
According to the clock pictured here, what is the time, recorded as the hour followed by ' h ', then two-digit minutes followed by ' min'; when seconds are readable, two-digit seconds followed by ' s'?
3 h 00 min 52 s
